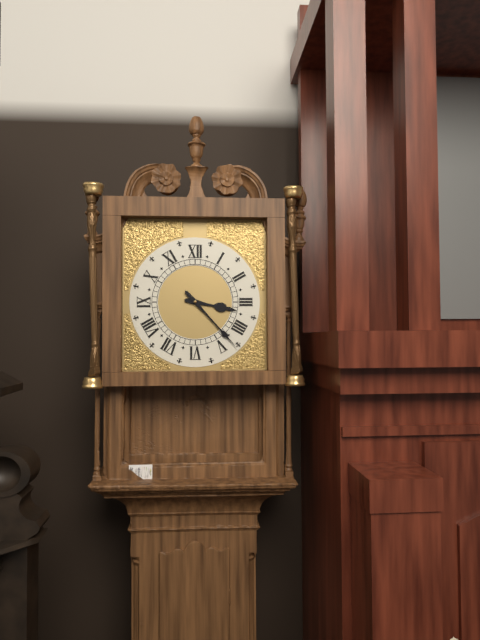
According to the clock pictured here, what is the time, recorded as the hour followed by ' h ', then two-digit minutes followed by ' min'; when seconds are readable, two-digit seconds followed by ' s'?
3 h 23 min
